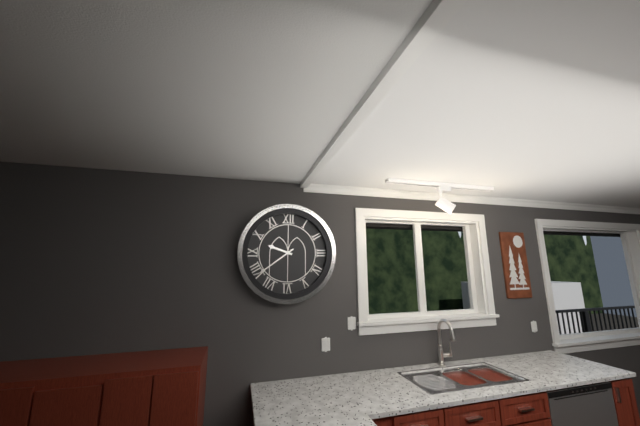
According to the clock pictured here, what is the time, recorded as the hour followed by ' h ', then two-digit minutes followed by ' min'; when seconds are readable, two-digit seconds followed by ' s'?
9 h 39 min
